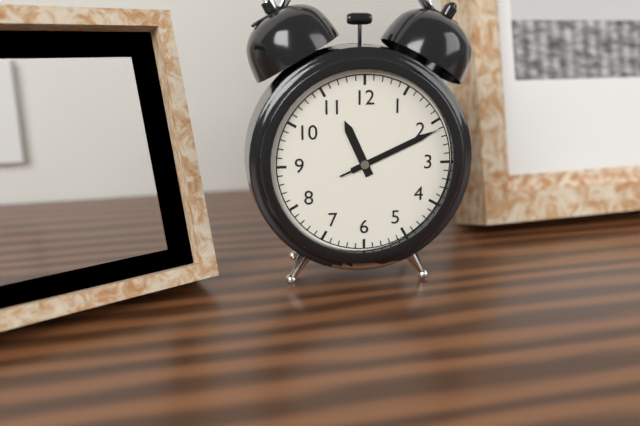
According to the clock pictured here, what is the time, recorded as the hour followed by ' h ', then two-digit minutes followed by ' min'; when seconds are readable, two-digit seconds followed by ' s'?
11 h 11 min 11 s
